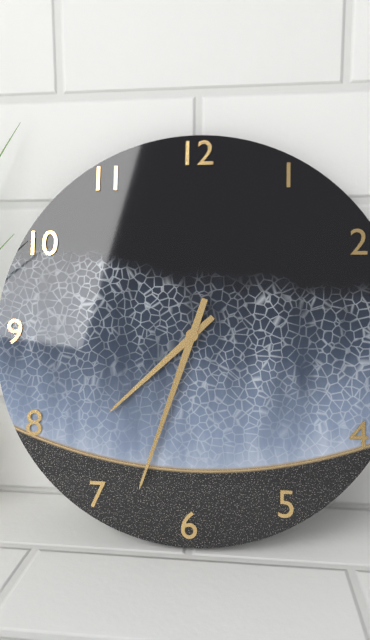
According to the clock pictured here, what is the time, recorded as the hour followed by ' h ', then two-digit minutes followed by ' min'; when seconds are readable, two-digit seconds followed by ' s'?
7 h 33 min
